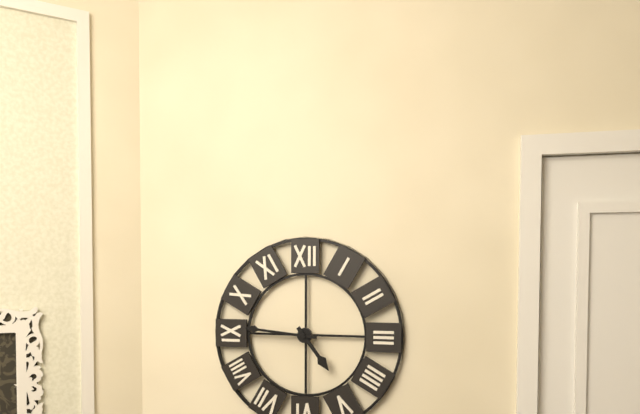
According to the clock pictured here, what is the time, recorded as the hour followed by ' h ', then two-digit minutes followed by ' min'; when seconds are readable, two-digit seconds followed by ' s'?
4 h 46 min
